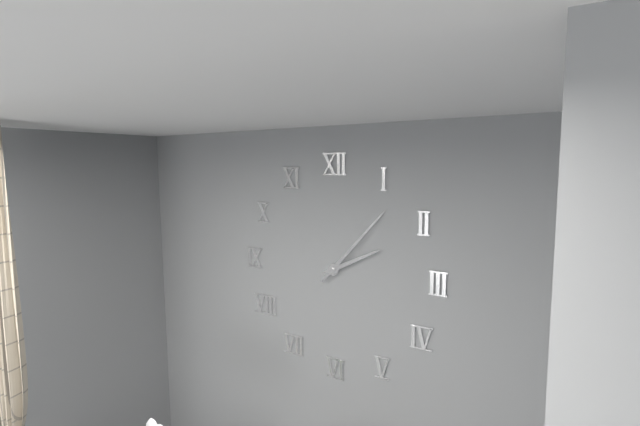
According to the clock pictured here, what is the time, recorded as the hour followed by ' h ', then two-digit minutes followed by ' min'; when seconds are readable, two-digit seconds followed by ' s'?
2 h 07 min
